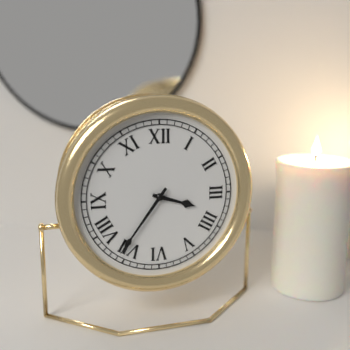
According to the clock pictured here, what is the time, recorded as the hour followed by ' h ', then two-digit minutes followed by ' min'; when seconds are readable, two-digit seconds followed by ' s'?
3 h 36 min
